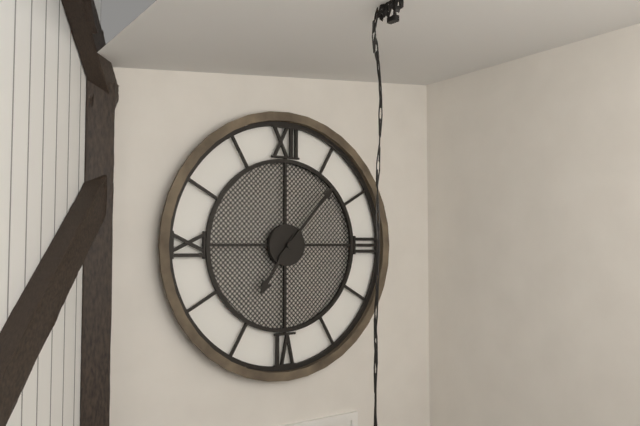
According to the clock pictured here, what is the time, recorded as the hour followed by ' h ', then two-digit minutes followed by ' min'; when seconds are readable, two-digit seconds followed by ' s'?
7 h 07 min
